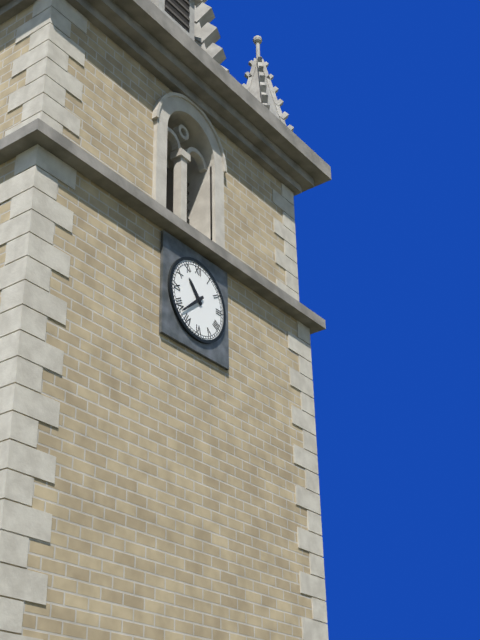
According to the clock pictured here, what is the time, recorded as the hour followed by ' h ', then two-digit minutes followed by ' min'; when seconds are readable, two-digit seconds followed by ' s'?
10 h 38 min
